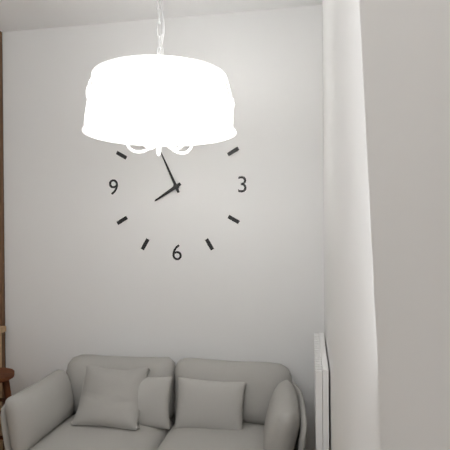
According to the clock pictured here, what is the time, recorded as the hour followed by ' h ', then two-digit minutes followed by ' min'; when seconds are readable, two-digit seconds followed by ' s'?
7 h 56 min
